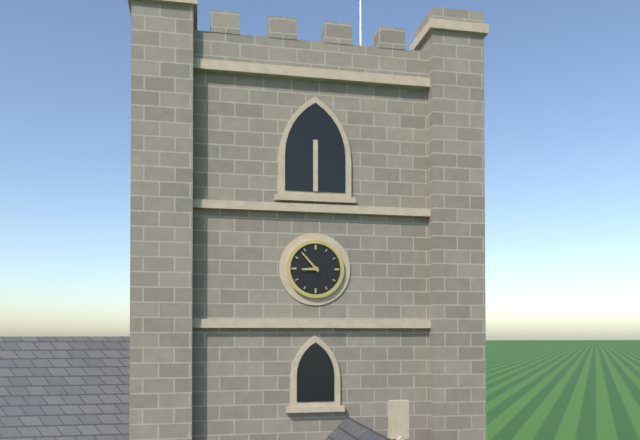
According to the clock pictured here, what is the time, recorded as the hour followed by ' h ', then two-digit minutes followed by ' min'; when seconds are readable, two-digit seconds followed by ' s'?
8 h 53 min
